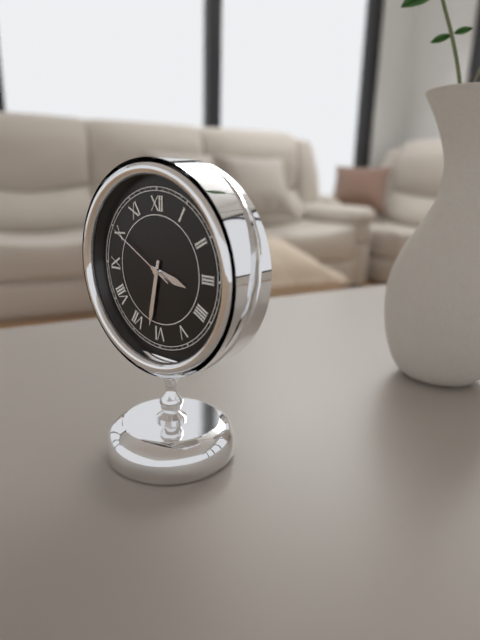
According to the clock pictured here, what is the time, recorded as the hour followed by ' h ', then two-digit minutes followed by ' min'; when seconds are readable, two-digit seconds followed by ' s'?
3 h 32 min 50 s
